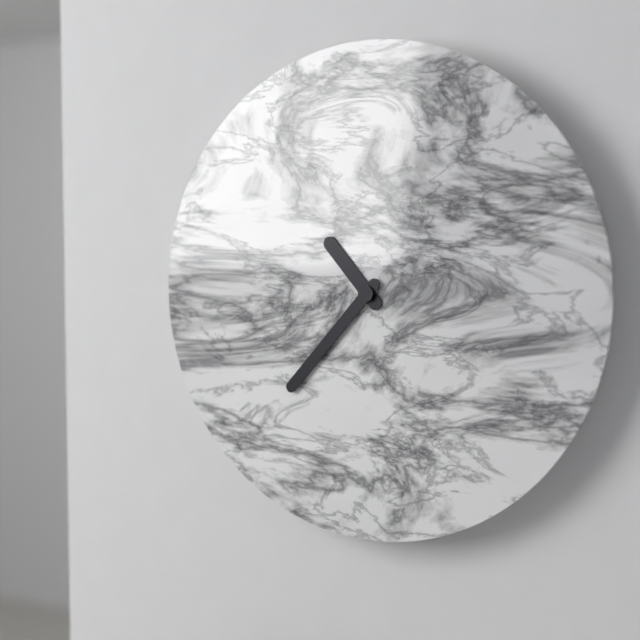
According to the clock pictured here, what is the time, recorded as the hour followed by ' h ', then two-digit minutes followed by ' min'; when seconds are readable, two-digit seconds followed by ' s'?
10 h 37 min
